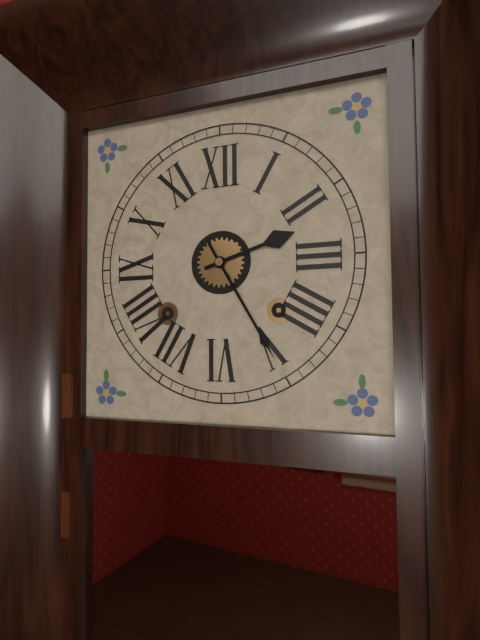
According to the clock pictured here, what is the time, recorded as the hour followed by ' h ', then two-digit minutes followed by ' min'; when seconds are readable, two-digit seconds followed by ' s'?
2 h 25 min
